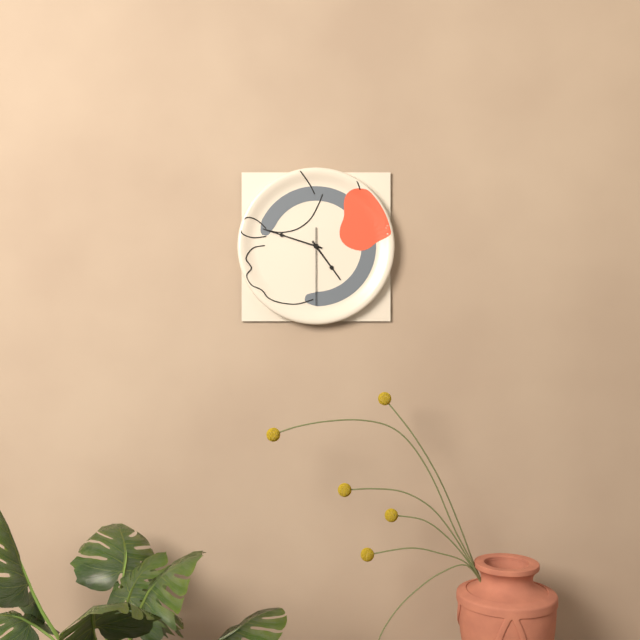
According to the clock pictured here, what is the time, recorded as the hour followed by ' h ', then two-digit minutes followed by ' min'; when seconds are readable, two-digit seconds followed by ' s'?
4 h 48 min 30 s
